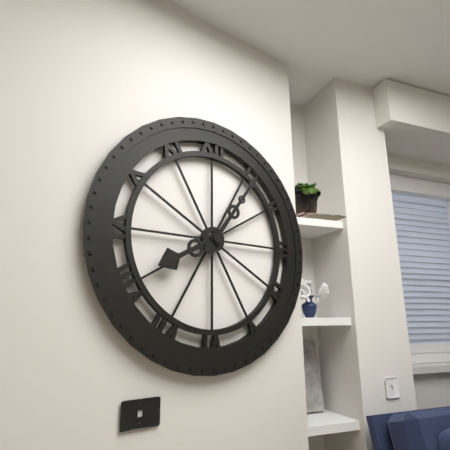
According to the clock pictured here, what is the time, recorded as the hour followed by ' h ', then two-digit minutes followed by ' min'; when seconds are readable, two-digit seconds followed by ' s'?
8 h 06 min
